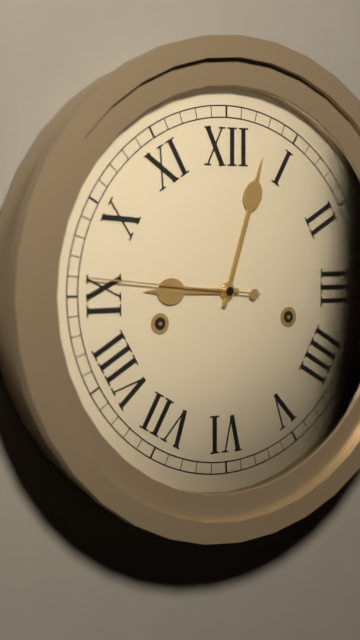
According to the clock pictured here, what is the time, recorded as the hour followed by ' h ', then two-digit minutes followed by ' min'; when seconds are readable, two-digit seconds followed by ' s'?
9 h 03 min 46 s
